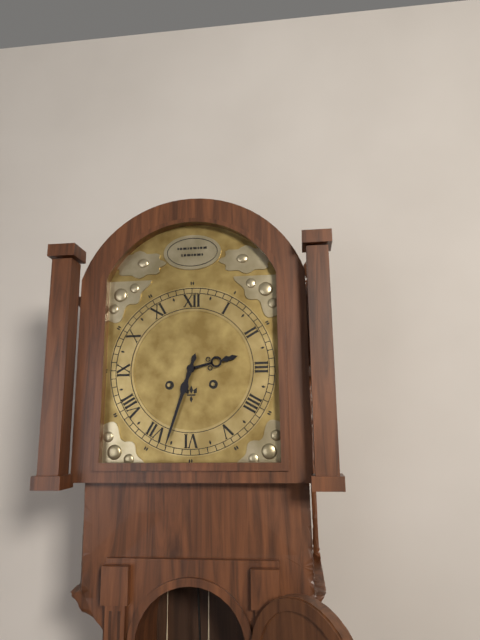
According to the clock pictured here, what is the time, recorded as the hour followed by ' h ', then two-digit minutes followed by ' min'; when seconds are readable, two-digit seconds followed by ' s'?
2 h 33 min
